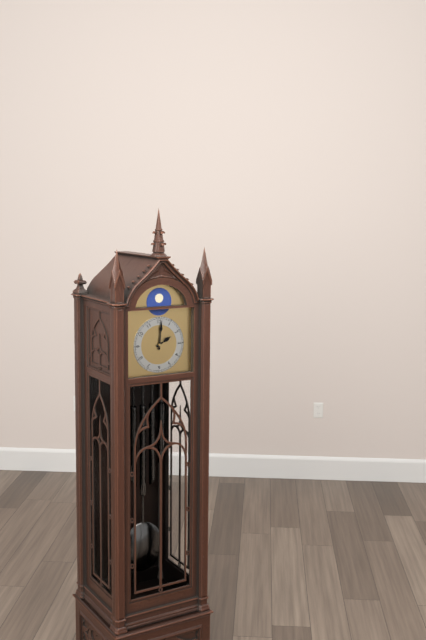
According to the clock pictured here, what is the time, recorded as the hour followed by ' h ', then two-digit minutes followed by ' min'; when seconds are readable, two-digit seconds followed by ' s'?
2 h 01 min
